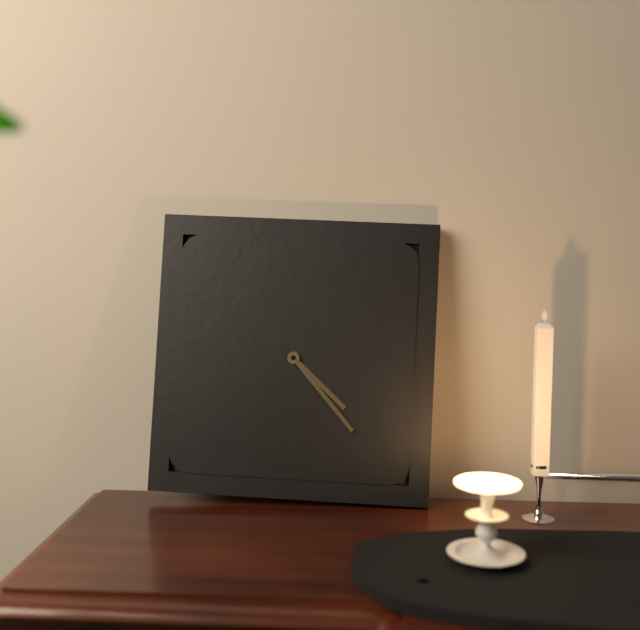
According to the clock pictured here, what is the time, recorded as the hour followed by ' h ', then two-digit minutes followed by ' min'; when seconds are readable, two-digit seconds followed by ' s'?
4 h 23 min
